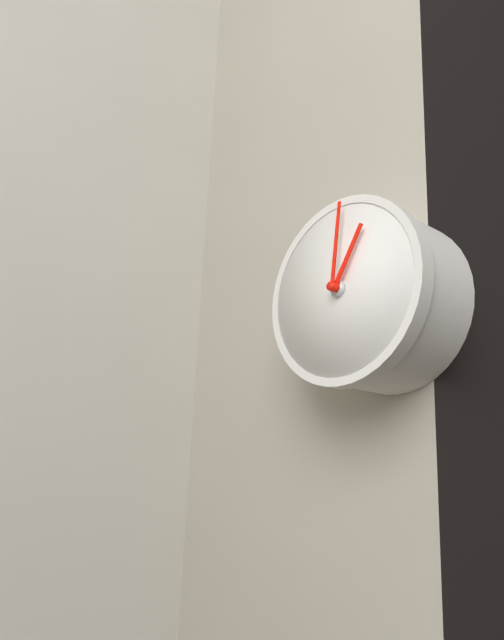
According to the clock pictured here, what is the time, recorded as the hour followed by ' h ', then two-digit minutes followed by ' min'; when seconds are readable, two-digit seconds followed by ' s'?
1 h 01 min
